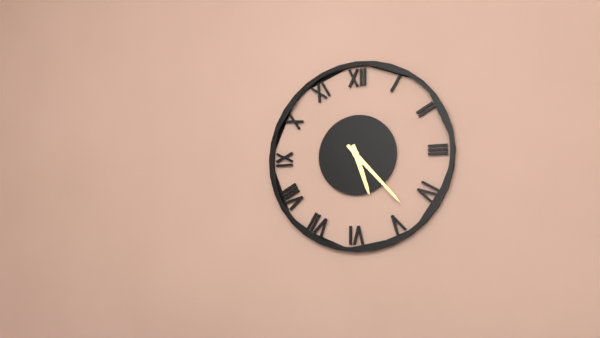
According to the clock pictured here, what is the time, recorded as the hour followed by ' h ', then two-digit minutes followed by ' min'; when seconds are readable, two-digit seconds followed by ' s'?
5 h 23 min
